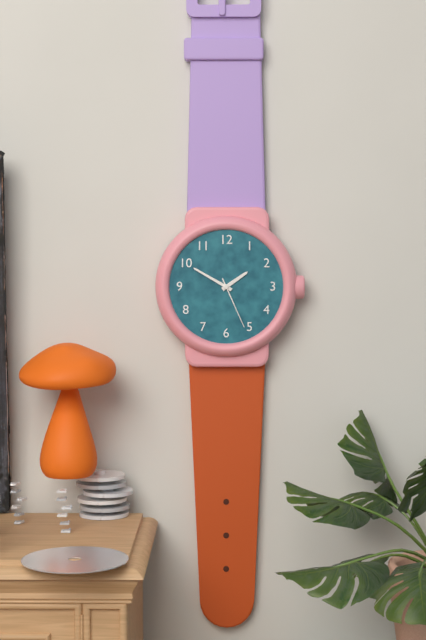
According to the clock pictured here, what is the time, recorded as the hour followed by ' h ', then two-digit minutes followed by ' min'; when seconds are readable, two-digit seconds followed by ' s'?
1 h 50 min 26 s
